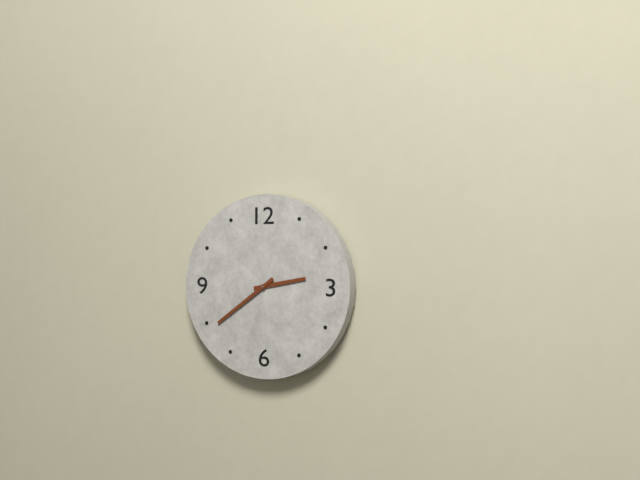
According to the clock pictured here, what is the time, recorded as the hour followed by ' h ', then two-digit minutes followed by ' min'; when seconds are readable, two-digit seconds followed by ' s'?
2 h 39 min
